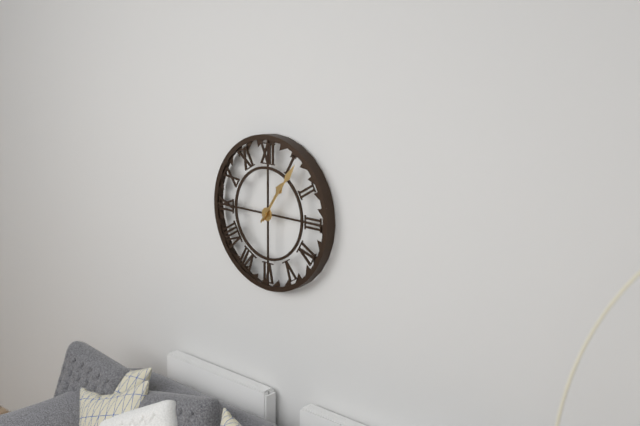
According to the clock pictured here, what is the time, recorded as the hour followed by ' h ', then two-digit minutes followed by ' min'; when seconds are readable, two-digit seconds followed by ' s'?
1 h 06 min
